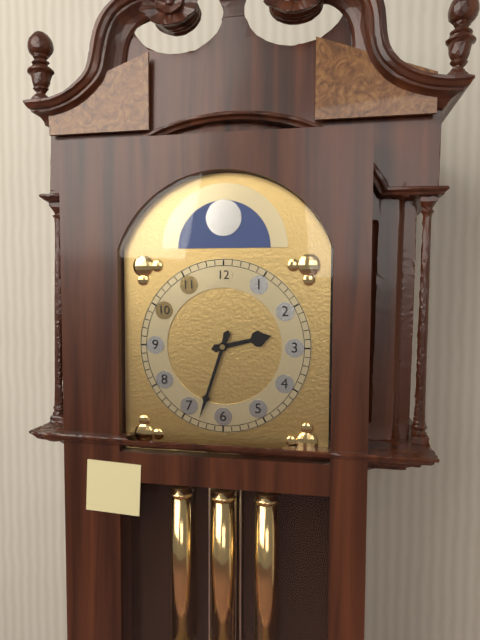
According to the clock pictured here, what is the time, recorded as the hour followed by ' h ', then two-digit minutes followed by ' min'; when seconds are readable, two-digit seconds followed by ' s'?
2 h 33 min
